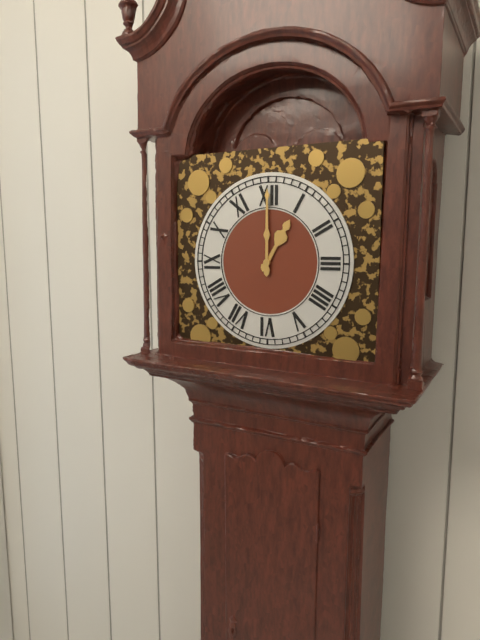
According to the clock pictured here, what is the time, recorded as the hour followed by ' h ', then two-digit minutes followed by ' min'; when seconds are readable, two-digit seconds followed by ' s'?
1 h 00 min
